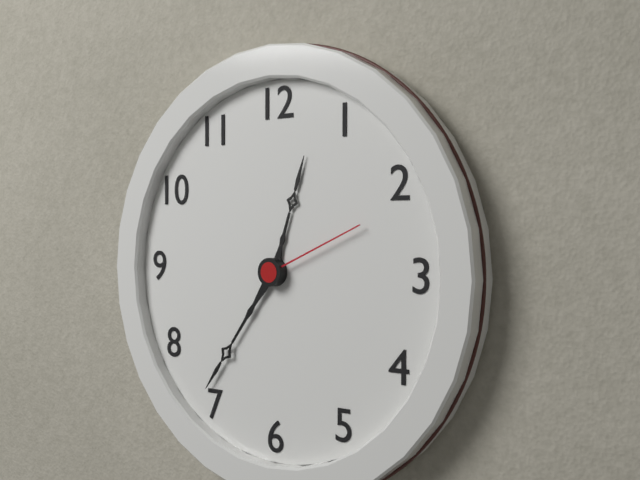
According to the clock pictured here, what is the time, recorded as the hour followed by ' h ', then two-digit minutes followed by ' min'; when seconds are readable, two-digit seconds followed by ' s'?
12 h 36 min 11 s
